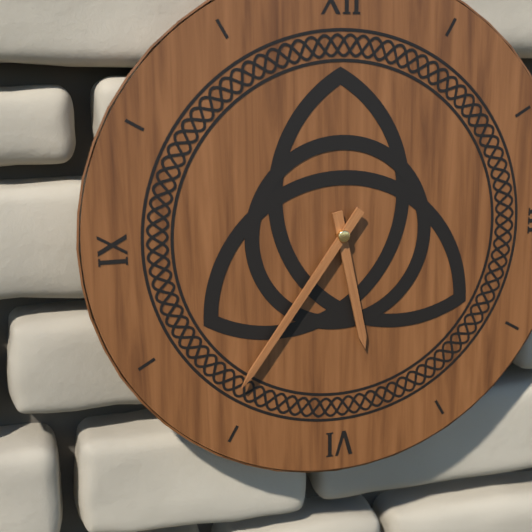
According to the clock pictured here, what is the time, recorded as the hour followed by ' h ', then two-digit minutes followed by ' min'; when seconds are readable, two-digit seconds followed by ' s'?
5 h 36 min
